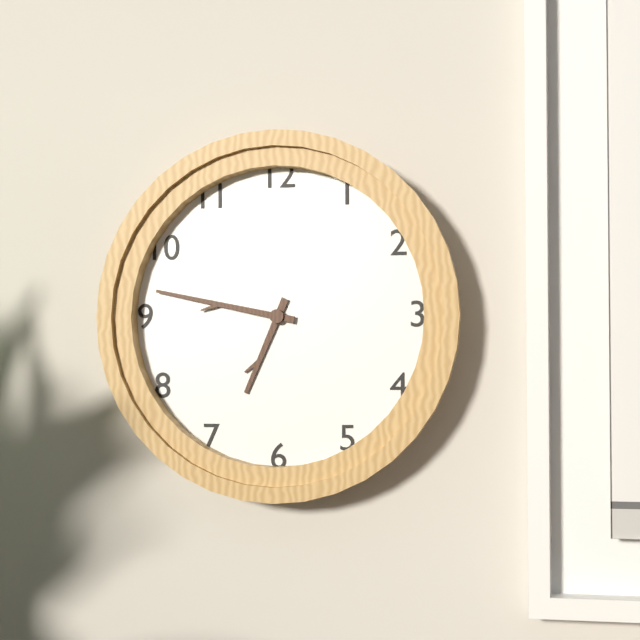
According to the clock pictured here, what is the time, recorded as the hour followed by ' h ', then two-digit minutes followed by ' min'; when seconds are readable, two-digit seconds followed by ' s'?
6 h 47 min
